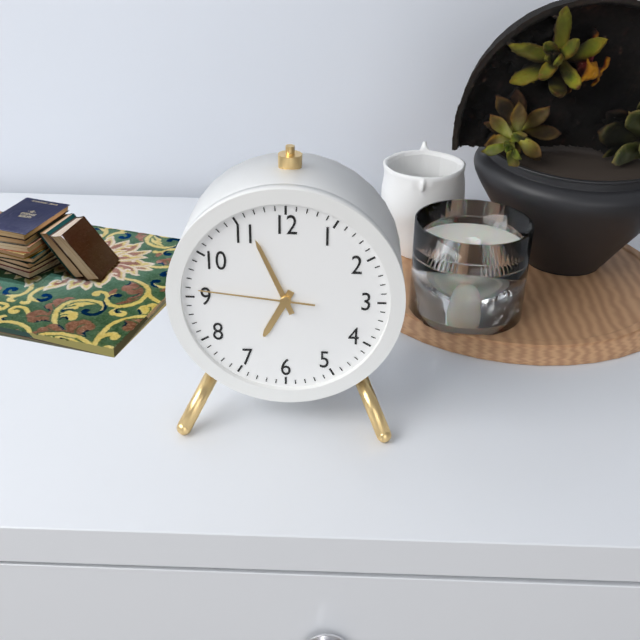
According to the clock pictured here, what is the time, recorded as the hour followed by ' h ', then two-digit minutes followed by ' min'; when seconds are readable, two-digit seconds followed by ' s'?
6 h 56 min 46 s
